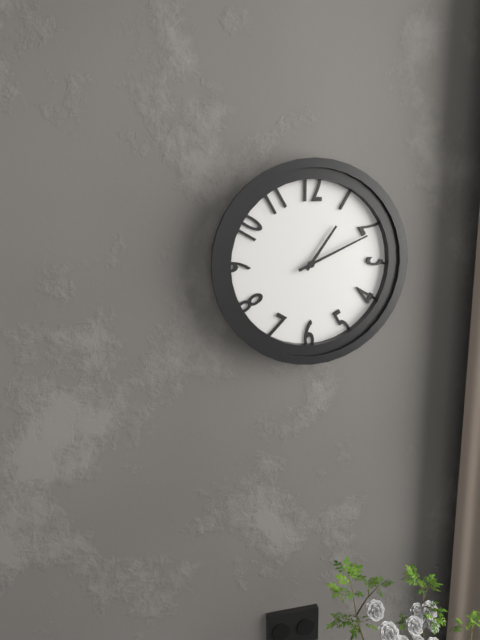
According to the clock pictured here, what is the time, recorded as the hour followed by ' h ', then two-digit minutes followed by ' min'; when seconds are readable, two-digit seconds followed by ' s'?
1 h 11 min
